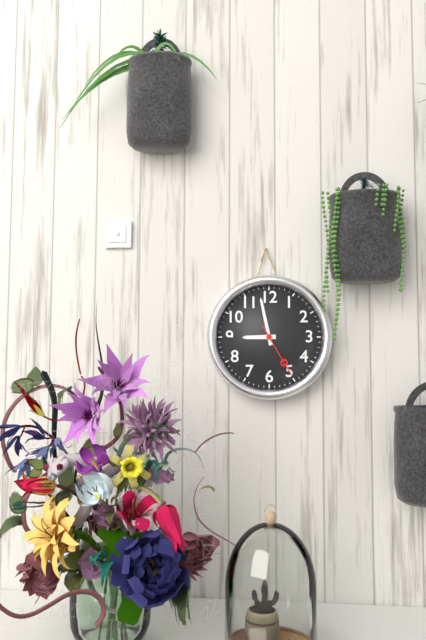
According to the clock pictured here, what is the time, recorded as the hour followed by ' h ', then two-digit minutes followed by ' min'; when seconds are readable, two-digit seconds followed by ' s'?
8 h 58 min 25 s
